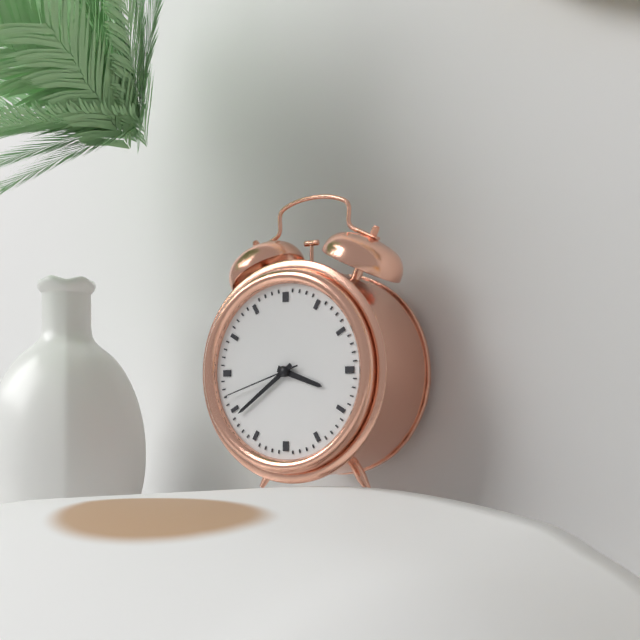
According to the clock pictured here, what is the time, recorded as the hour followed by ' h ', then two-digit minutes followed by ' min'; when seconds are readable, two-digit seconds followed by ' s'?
3 h 39 min 42 s
